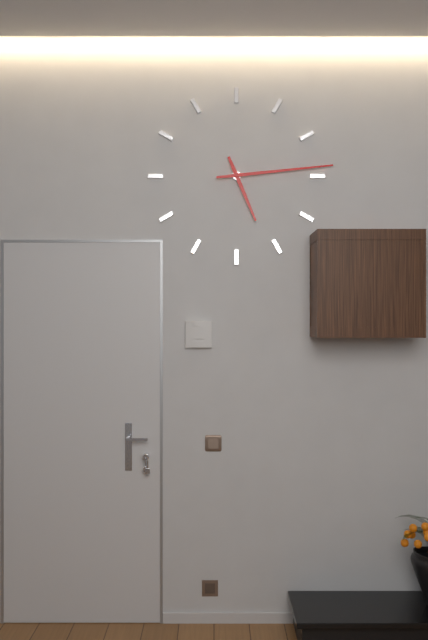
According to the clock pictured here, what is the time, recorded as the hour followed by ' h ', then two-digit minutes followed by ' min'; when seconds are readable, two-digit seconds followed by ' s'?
5 h 14 min
